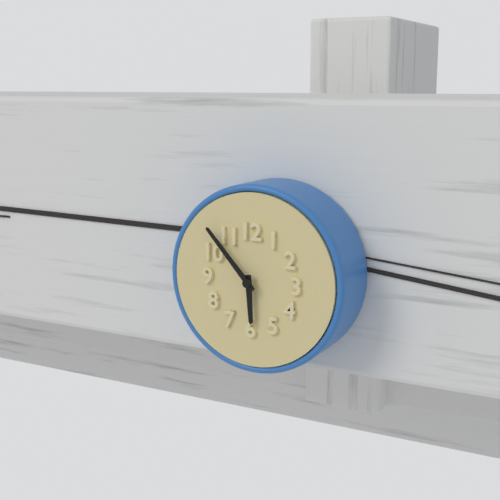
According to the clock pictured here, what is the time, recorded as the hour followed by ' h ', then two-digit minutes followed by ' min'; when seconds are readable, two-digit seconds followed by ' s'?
5 h 53 min
